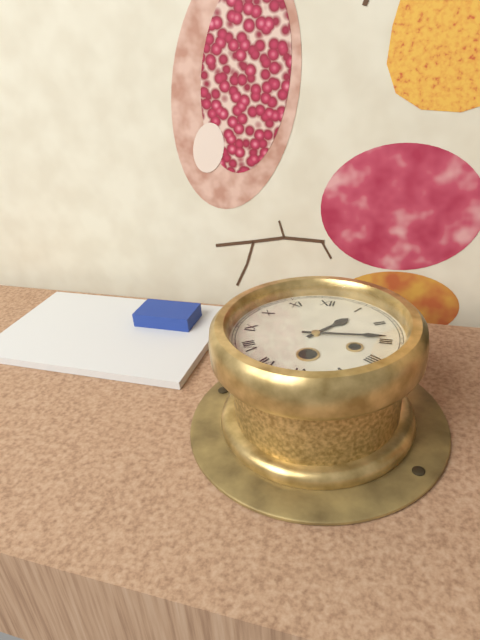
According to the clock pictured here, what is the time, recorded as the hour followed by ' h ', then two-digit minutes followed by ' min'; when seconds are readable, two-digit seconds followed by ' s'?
1 h 14 min
